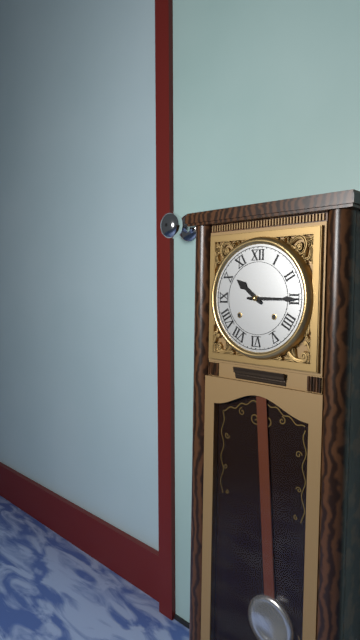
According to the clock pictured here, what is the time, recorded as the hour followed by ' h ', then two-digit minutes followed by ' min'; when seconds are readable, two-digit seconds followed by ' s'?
10 h 15 min
